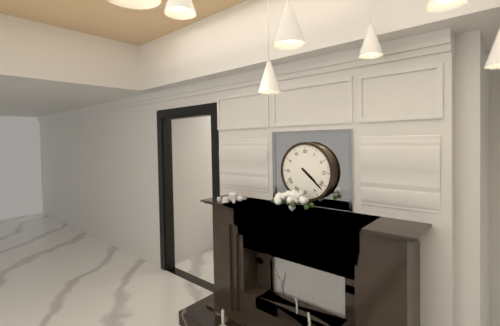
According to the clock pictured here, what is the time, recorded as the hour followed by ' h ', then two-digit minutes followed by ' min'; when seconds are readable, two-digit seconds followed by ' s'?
4 h 22 min
